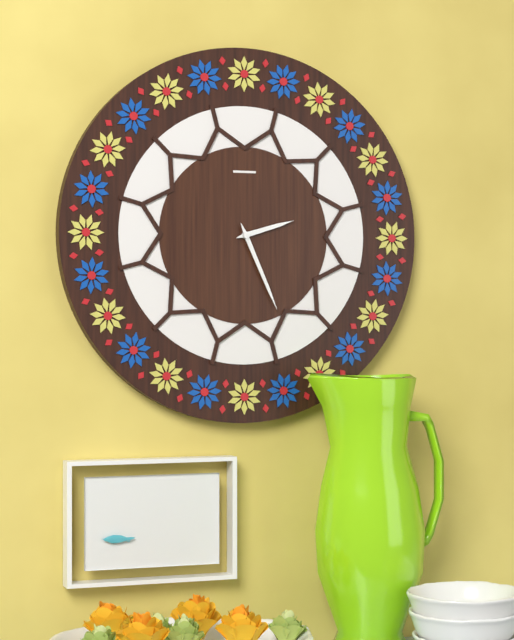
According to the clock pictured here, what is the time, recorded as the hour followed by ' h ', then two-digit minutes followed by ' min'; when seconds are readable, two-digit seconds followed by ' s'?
2 h 26 min
